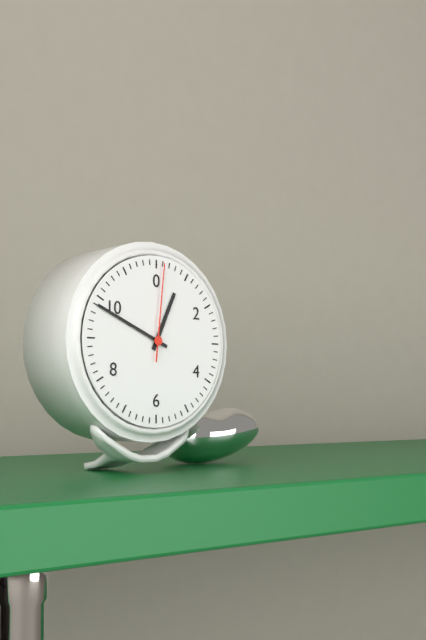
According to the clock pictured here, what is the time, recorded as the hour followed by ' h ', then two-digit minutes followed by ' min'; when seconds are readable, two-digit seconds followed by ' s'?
12 h 49 min 01 s
